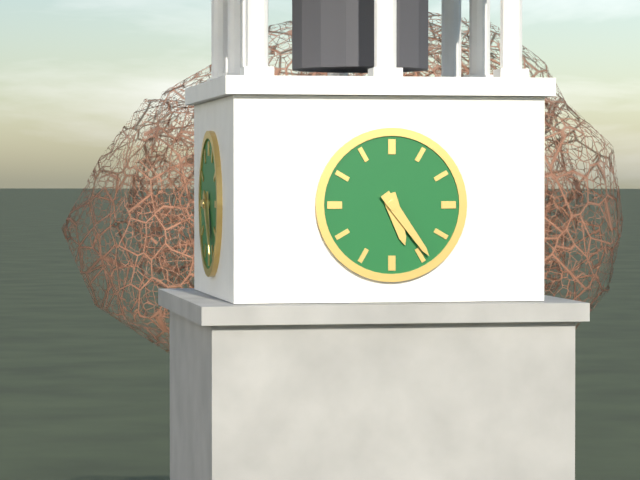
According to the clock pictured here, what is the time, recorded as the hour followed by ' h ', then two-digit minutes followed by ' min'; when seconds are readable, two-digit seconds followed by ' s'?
5 h 24 min
